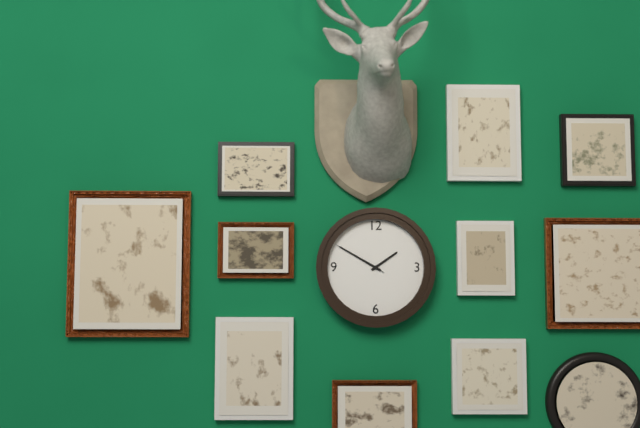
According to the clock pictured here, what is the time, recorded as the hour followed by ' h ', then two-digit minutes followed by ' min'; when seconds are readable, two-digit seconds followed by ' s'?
1 h 50 min 50 s
